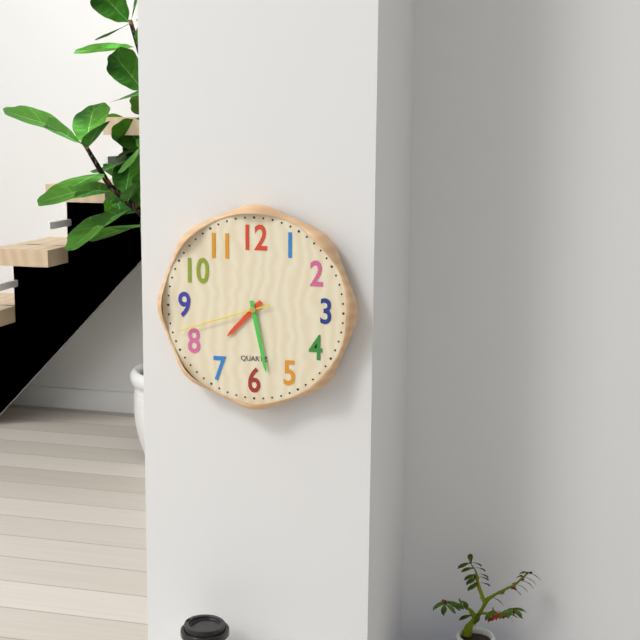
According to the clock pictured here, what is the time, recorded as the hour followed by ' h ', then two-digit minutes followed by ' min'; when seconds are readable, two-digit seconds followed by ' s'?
7 h 28 min 42 s
